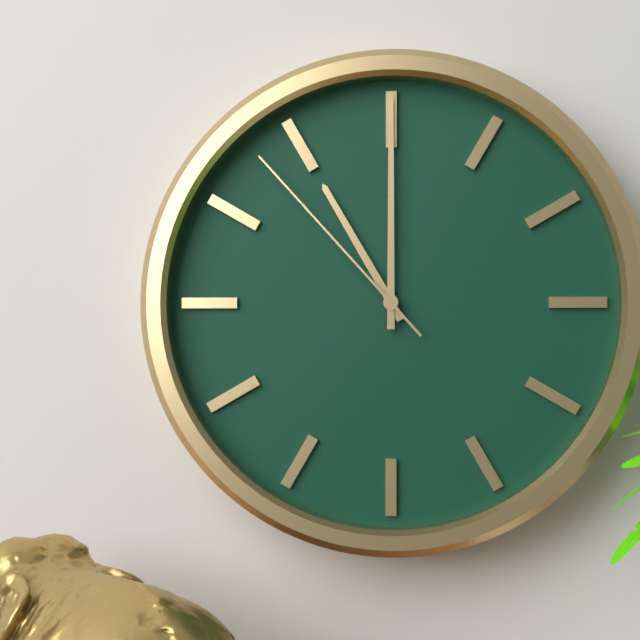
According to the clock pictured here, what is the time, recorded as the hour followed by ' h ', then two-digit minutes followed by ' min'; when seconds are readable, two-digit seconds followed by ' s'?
11 h 00 min 53 s
